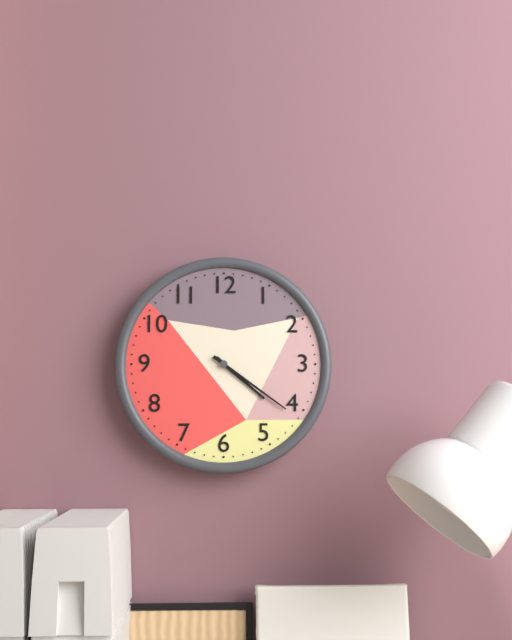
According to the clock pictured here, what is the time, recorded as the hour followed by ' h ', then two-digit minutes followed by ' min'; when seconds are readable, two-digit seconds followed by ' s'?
4 h 21 min
